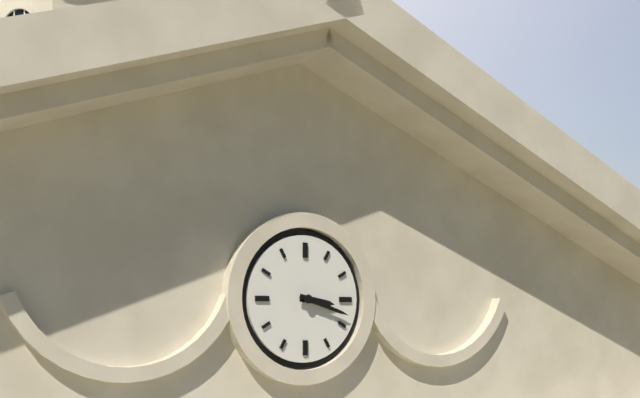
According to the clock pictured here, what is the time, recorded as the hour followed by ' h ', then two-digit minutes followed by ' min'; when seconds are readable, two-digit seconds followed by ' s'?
3 h 18 min
